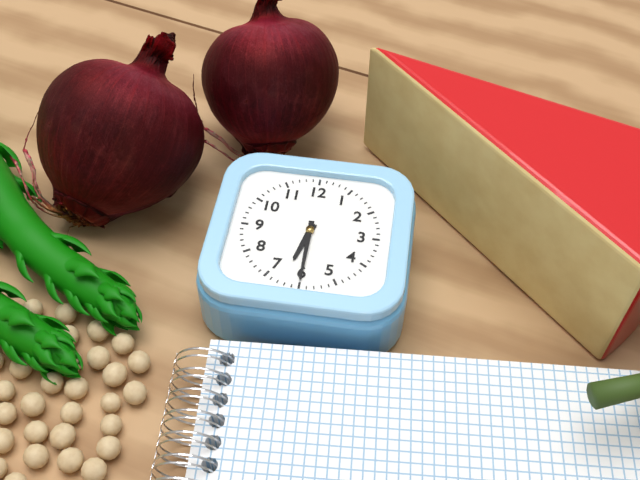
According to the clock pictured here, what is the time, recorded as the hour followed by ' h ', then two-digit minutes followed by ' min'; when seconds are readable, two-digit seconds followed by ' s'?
6 h 30 min
